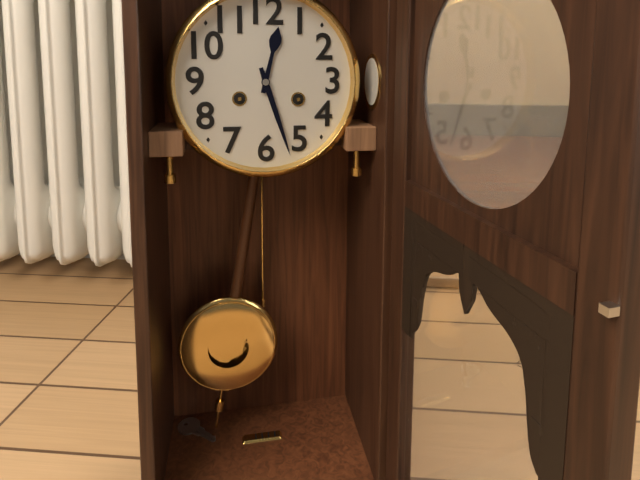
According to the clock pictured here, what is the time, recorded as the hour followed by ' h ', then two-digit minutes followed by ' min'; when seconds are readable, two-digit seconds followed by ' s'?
12 h 27 min
